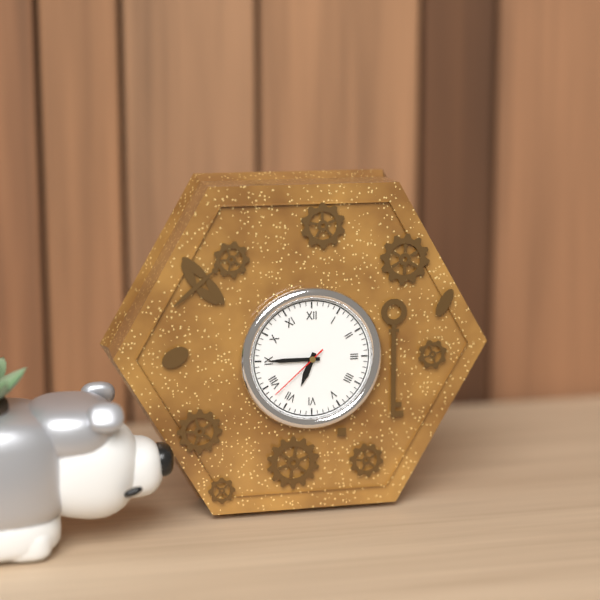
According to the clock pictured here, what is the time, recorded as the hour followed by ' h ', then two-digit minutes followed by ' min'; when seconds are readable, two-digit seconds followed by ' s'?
6 h 45 min 38 s
